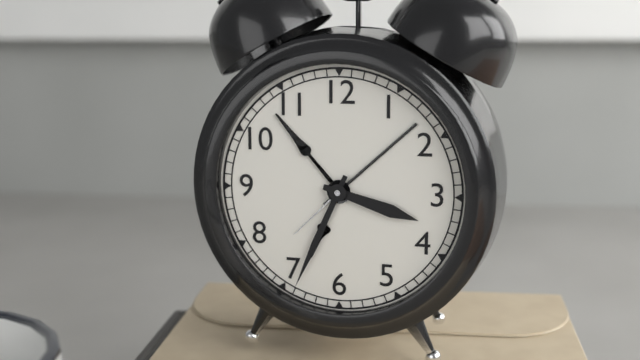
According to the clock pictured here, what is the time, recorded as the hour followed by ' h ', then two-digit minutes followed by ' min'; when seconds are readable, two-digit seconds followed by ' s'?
3 h 34 min
